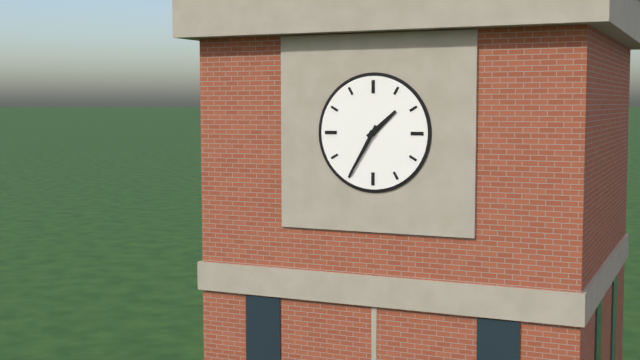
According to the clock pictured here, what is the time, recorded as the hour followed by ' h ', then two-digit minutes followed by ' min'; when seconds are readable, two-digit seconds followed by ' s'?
1 h 35 min
